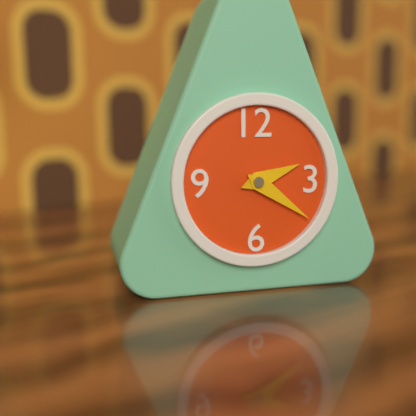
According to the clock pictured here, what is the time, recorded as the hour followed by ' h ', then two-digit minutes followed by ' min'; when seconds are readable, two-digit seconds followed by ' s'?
2 h 21 min
